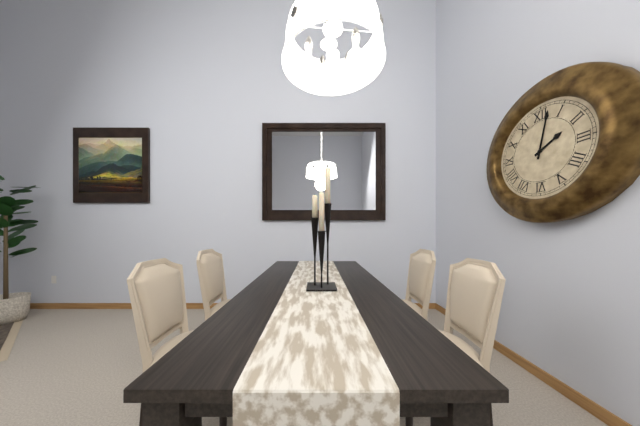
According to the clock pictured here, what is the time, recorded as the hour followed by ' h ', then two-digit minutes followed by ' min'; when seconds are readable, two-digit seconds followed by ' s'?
2 h 02 min
